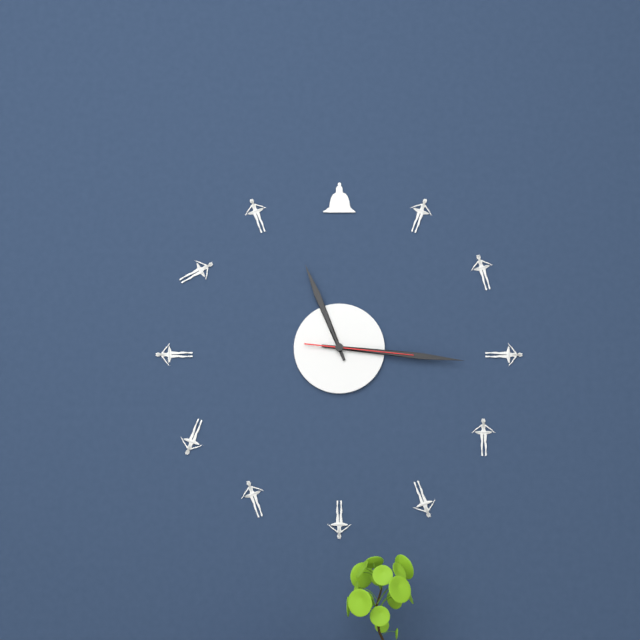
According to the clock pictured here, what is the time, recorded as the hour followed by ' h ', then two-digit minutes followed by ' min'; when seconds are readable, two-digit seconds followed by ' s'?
11 h 16 min 16 s
